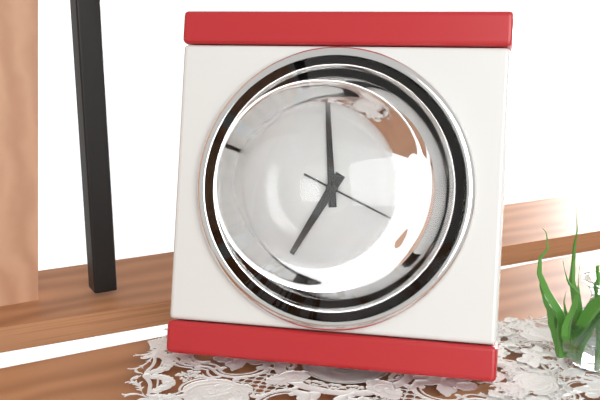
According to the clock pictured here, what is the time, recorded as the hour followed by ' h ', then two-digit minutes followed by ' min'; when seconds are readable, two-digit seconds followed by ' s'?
6 h 59 min 19 s
